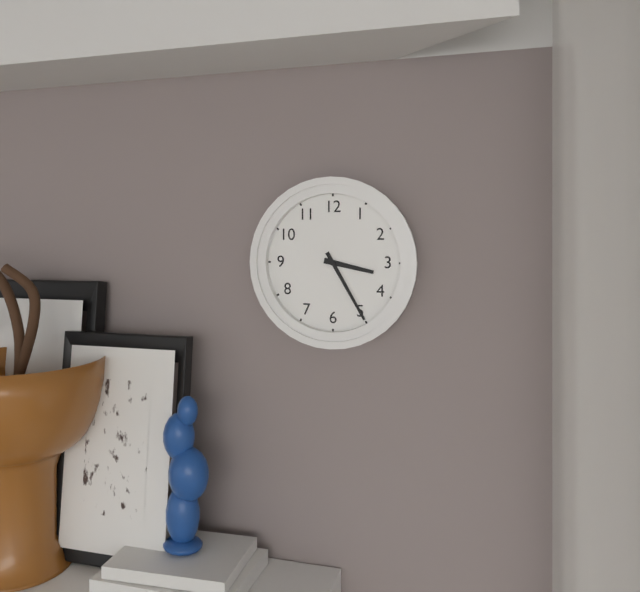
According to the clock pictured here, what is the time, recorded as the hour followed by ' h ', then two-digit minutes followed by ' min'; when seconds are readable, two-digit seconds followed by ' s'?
3 h 25 min
